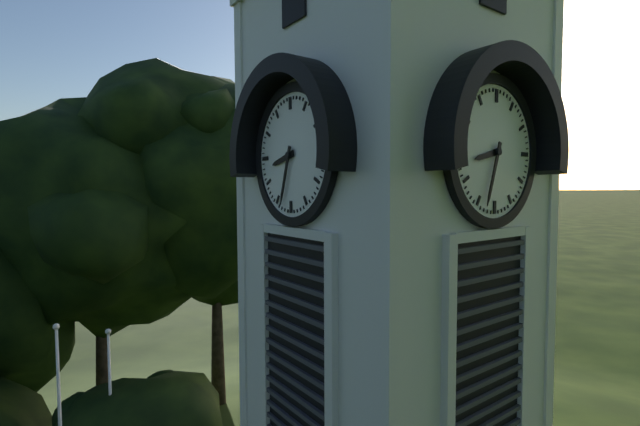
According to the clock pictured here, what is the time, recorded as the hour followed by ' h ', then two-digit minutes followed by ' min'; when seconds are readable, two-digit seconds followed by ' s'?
8 h 33 min
